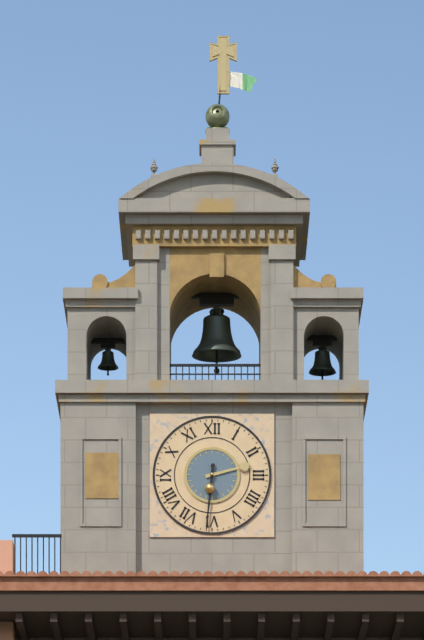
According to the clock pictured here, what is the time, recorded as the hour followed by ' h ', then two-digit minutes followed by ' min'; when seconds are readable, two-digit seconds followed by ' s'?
2 h 31 min
